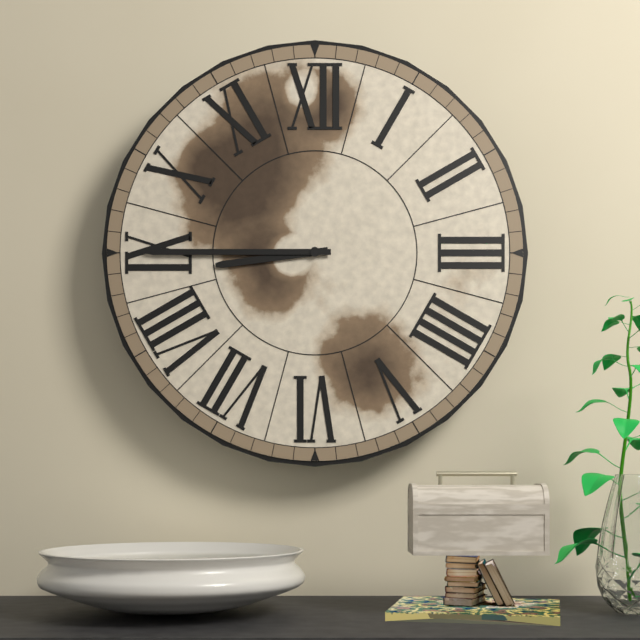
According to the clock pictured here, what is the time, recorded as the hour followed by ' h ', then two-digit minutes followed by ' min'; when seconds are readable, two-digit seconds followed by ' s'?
8 h 45 min
